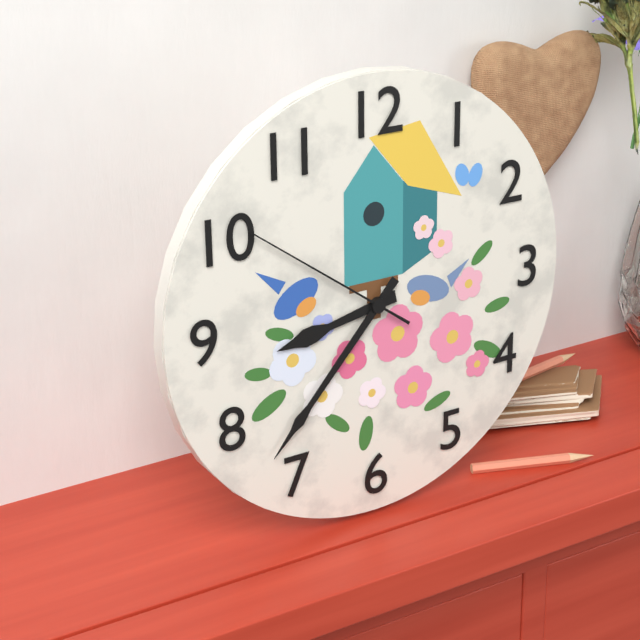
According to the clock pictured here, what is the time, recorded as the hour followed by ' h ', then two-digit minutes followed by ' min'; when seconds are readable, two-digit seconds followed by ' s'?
8 h 37 min 51 s
